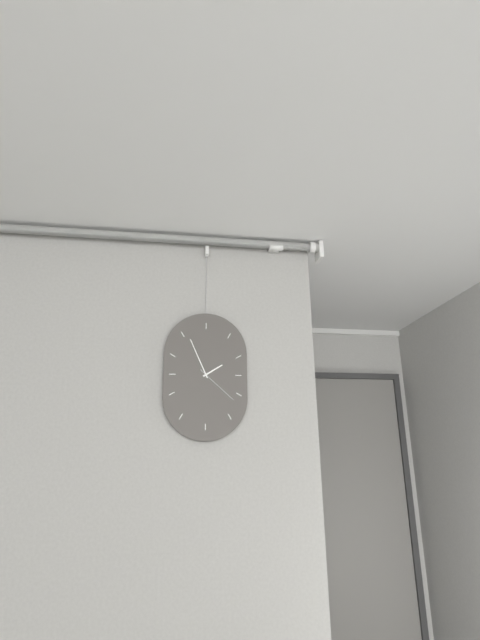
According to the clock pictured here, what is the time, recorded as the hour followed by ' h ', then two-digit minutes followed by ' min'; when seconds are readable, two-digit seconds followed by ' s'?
1 h 56 min
